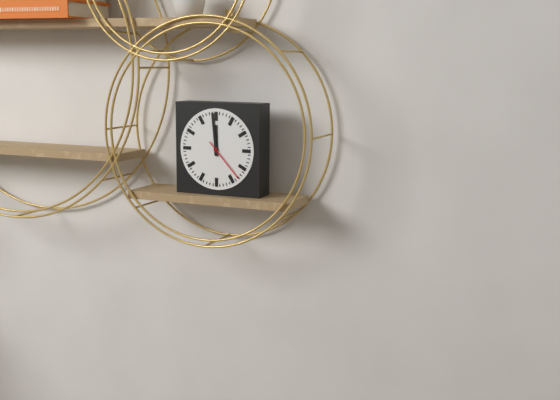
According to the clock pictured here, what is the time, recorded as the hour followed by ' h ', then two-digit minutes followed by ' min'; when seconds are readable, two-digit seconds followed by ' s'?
11 h 59 min
